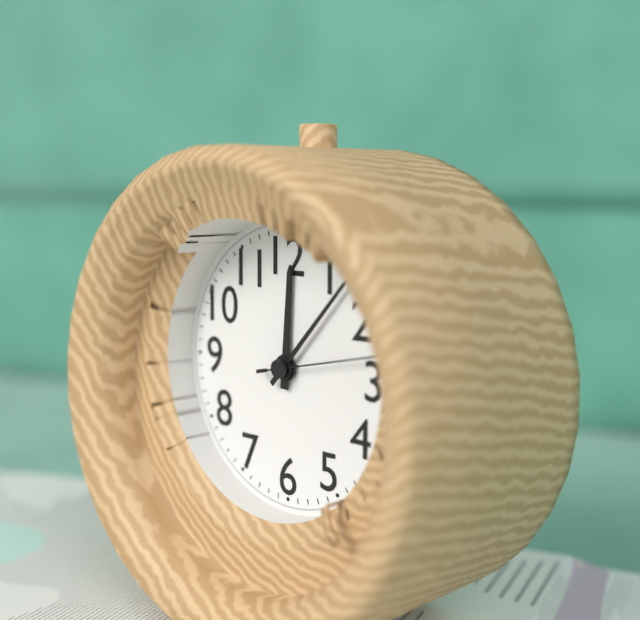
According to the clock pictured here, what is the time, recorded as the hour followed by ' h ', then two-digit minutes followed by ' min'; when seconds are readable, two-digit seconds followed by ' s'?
12 h 07 min 13 s
